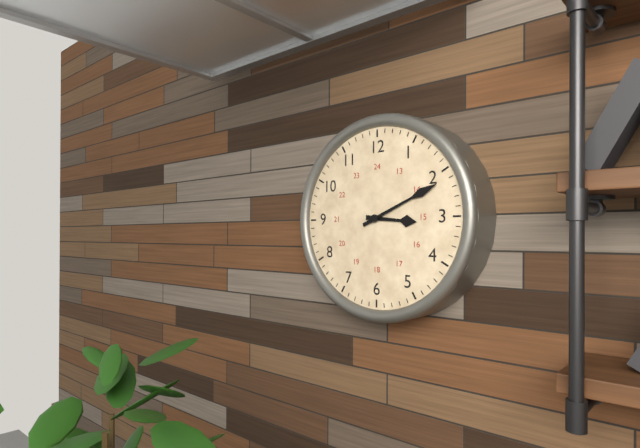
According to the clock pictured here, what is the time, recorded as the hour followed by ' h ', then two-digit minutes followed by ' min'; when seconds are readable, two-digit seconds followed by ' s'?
3 h 11 min
